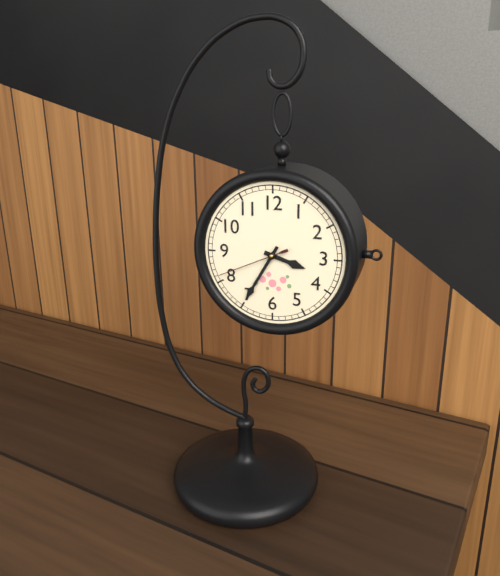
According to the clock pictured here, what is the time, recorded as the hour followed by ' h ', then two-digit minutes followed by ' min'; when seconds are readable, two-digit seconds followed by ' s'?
3 h 35 min 41 s
